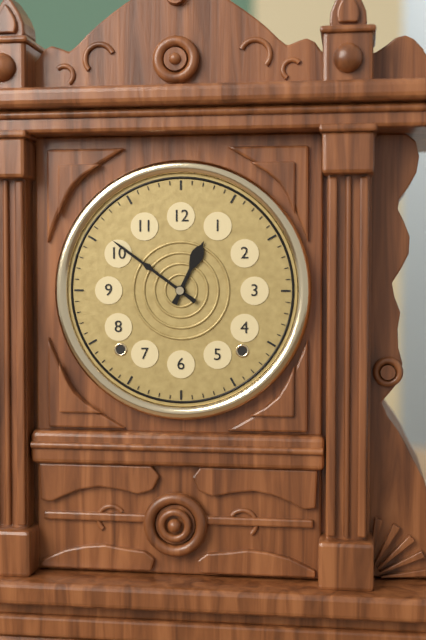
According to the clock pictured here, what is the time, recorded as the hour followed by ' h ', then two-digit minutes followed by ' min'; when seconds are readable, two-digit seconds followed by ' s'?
12 h 51 min
